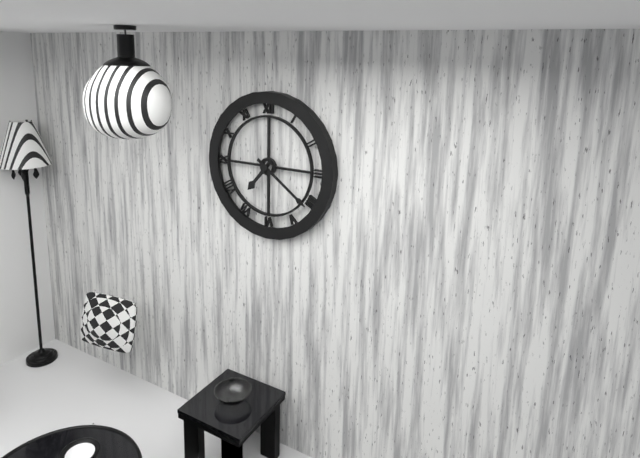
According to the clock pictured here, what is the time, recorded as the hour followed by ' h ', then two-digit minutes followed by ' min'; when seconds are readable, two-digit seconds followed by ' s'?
7 h 21 min
